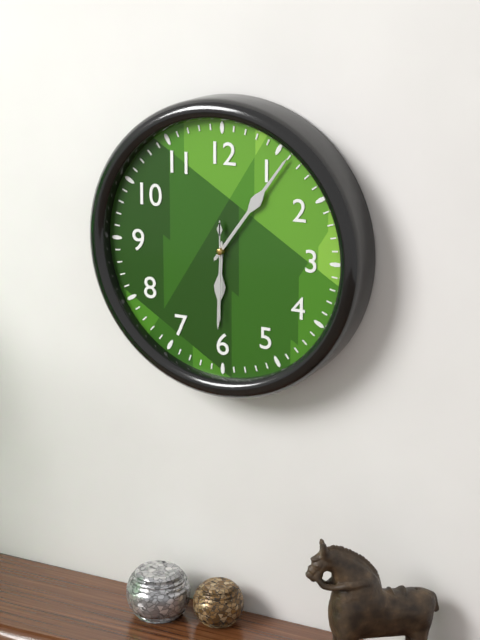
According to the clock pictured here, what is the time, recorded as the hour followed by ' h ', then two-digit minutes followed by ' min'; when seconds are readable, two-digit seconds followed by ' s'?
6 h 06 min 30 s
